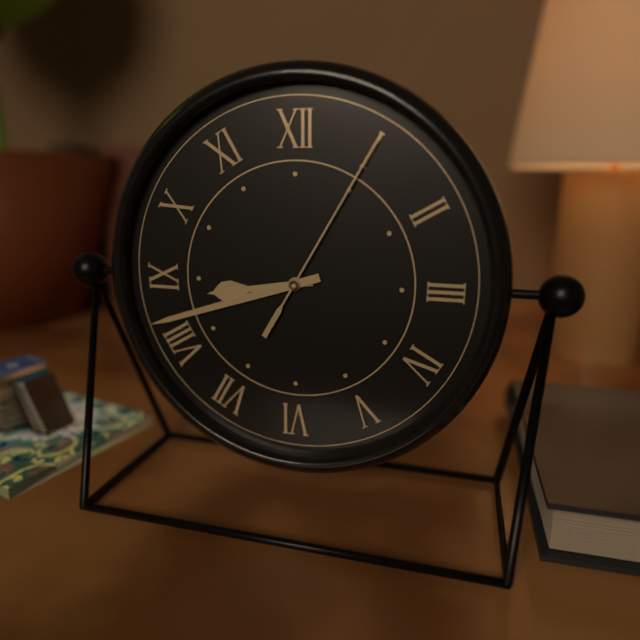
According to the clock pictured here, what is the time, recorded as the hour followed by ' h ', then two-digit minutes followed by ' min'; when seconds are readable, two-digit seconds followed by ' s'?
8 h 42 min 05 s
